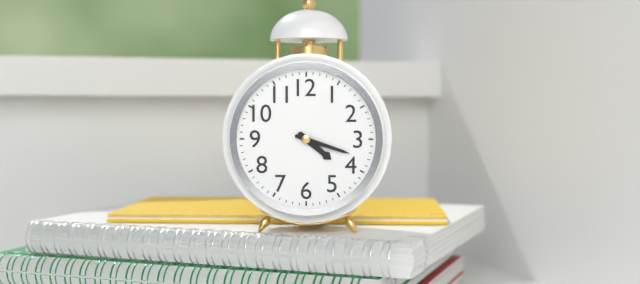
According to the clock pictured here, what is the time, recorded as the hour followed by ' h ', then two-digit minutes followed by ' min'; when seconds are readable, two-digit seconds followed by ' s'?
4 h 18 min
